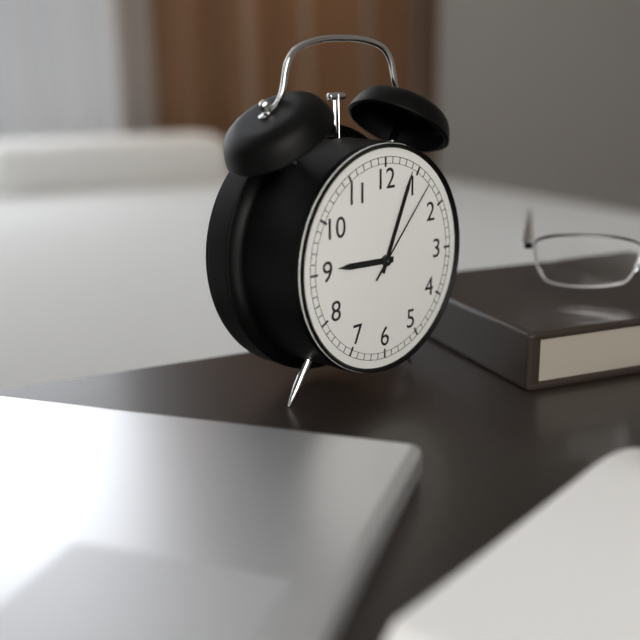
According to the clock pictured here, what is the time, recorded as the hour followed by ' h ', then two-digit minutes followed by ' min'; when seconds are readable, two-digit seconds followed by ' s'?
9 h 04 min 07 s
